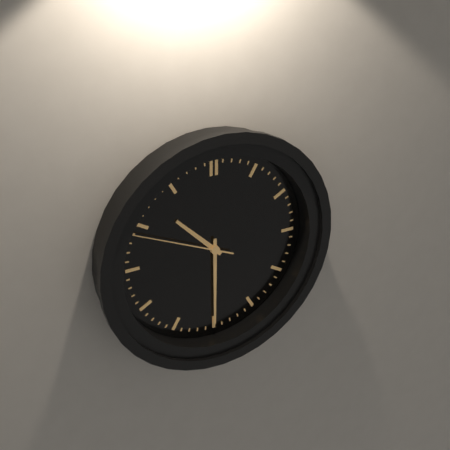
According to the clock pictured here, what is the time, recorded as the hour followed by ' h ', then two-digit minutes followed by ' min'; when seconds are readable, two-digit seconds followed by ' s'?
10 h 30 min 49 s
